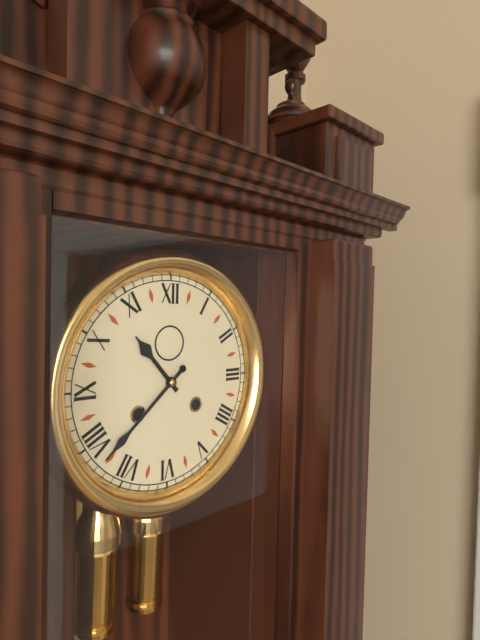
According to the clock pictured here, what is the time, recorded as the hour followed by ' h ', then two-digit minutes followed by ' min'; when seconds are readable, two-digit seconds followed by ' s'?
10 h 38 min
